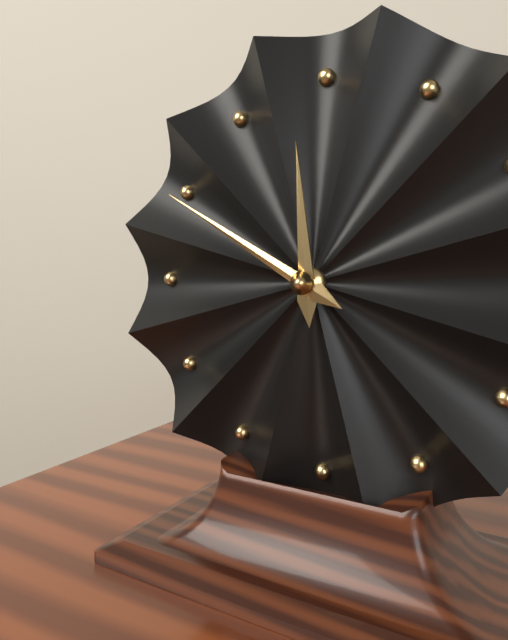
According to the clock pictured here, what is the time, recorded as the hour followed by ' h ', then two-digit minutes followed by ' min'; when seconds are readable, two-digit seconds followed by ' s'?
11 h 50 min
